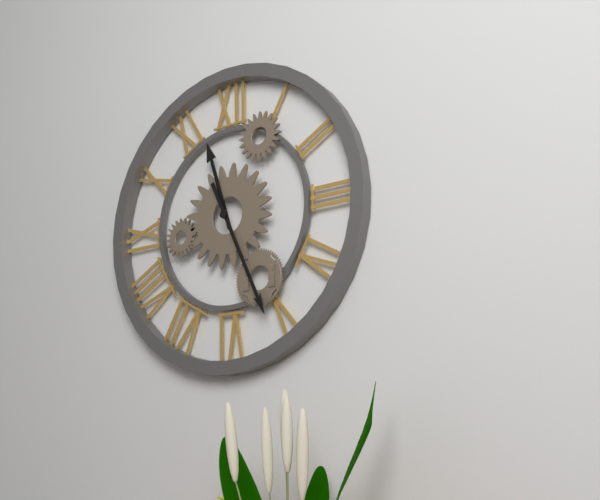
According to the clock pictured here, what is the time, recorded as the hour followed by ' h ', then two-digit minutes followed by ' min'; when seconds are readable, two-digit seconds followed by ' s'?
11 h 26 min
